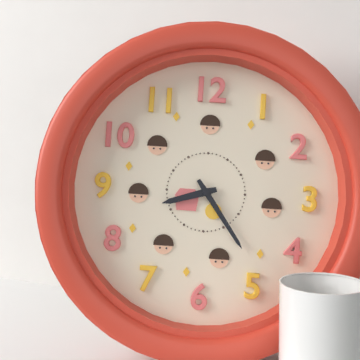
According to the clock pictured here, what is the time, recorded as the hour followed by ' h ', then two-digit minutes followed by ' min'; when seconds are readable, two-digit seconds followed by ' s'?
8 h 24 min
